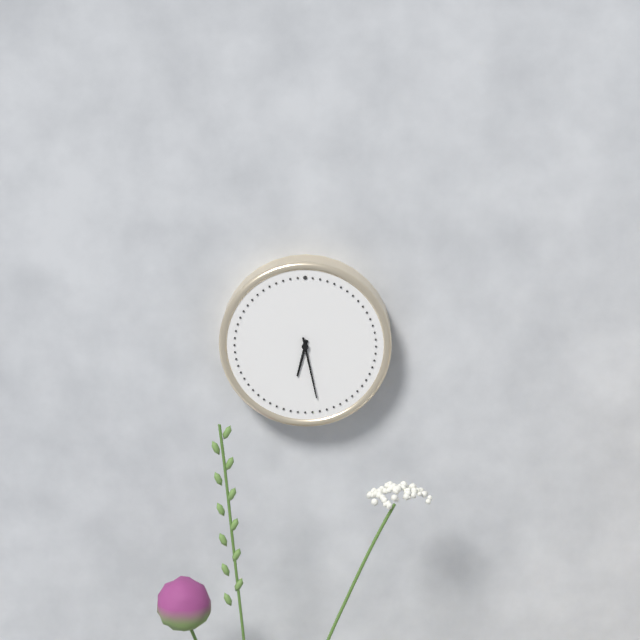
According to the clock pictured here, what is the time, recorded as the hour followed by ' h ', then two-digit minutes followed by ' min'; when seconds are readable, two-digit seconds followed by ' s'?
6 h 28 min
